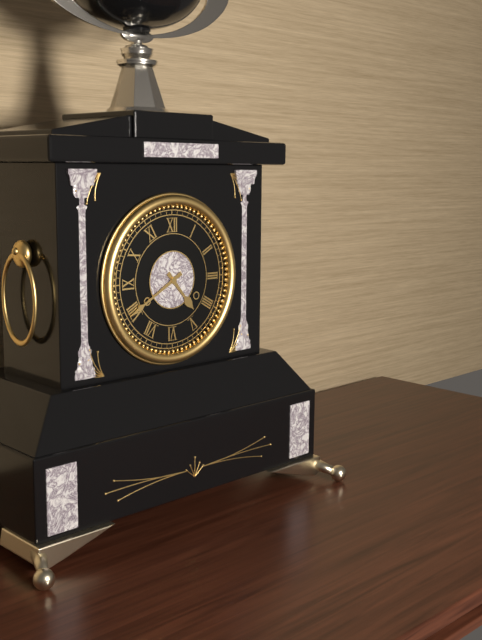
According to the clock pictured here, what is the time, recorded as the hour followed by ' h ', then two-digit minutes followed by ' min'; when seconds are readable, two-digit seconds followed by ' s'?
4 h 40 min
